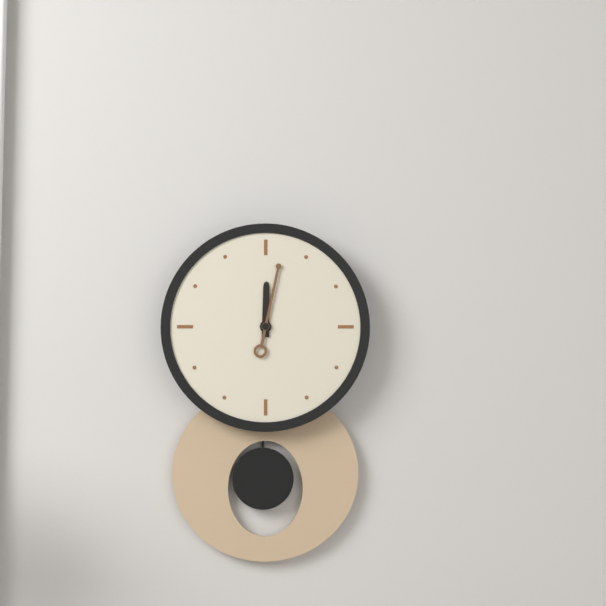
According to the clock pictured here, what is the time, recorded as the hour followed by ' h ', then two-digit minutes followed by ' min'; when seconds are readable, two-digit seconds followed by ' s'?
12 h 02 min
